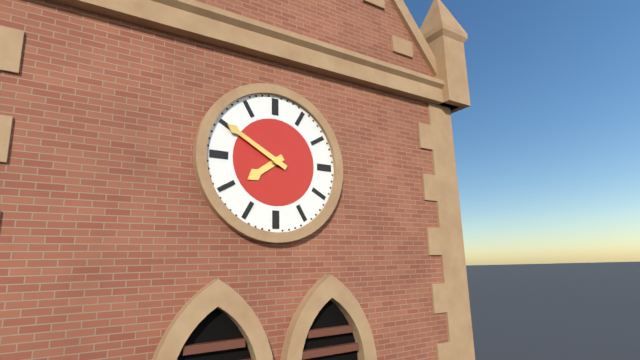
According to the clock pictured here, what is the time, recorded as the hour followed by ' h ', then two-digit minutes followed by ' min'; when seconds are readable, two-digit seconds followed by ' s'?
7 h 50 min
